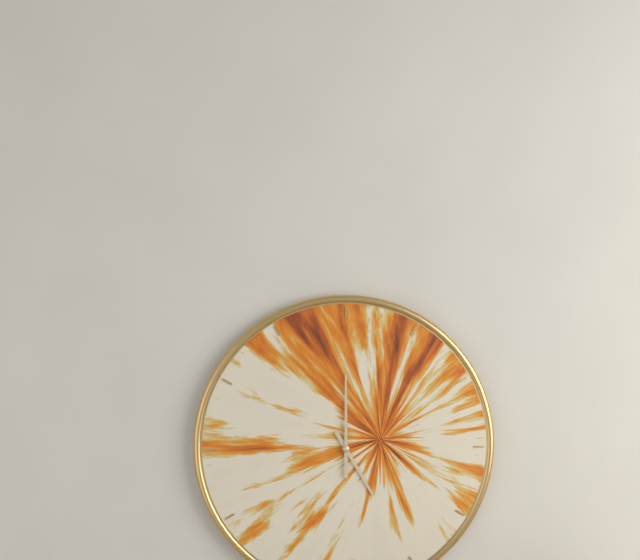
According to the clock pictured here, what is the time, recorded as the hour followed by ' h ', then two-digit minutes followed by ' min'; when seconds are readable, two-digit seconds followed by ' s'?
5 h 00 min
